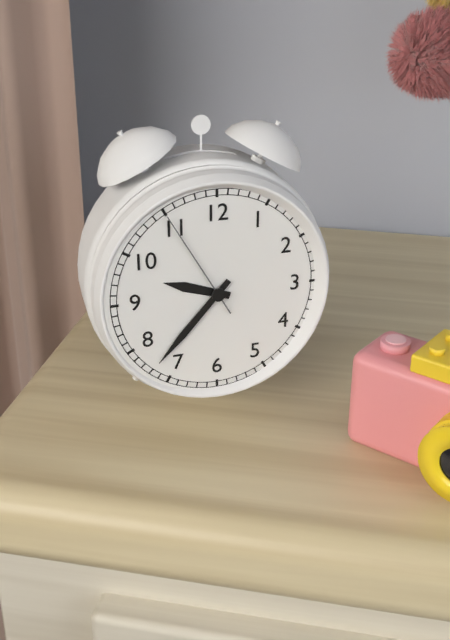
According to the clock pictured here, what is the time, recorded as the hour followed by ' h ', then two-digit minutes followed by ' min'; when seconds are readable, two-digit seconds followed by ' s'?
9 h 37 min 55 s
